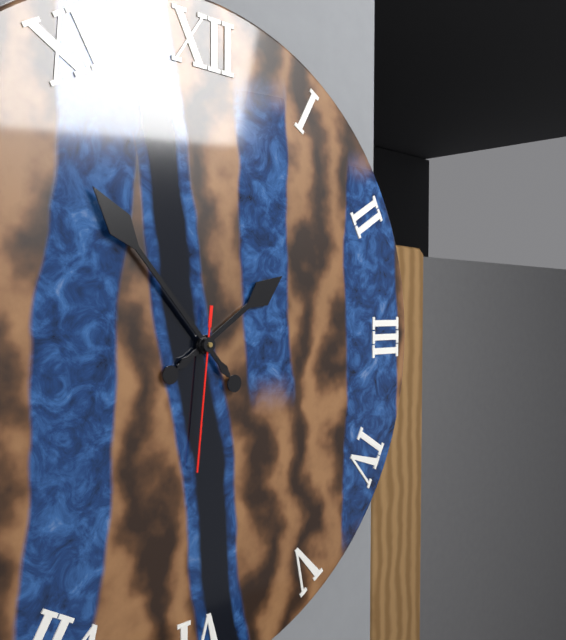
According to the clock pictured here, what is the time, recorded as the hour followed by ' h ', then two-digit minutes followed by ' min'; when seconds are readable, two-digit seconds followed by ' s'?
1 h 53 min 31 s
